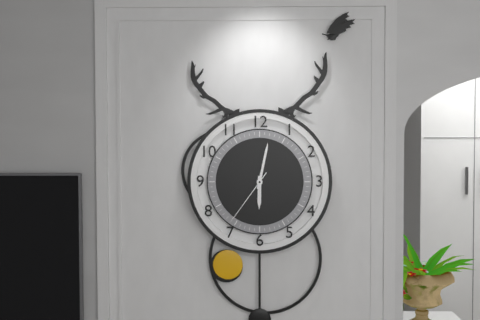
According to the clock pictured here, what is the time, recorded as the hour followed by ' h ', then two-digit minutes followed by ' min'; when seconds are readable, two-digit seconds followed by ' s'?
6 h 02 min 36 s
